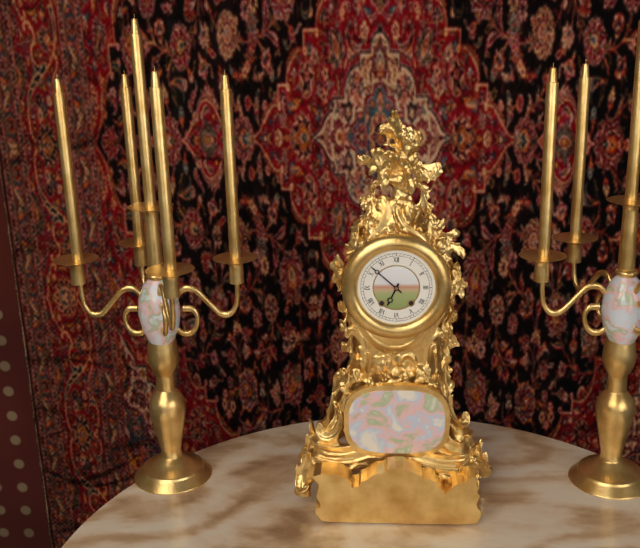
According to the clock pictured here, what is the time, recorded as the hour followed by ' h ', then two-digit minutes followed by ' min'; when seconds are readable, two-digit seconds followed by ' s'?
6 h 52 min
